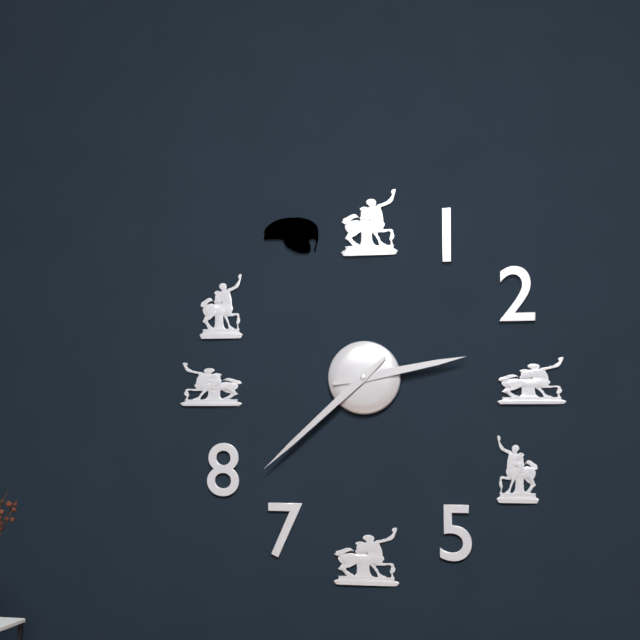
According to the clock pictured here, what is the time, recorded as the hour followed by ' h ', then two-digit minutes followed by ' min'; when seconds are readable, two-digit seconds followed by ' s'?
2 h 38 min
